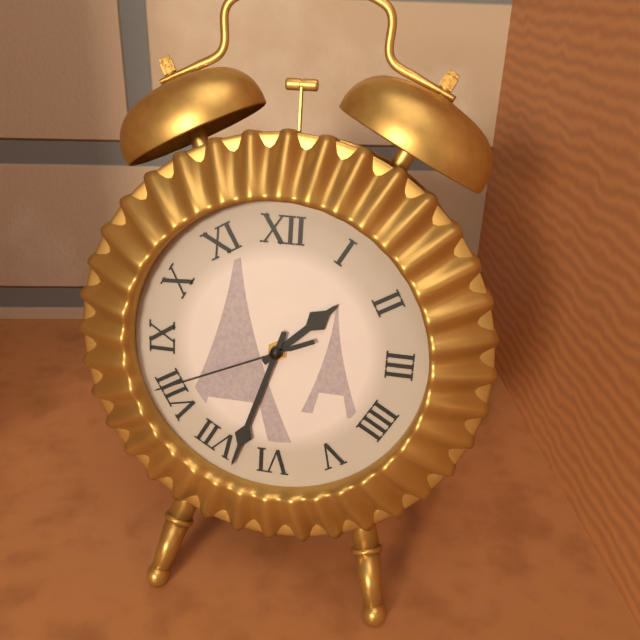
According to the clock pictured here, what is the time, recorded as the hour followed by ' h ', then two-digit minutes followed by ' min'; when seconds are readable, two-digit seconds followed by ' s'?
1 h 33 min 41 s
